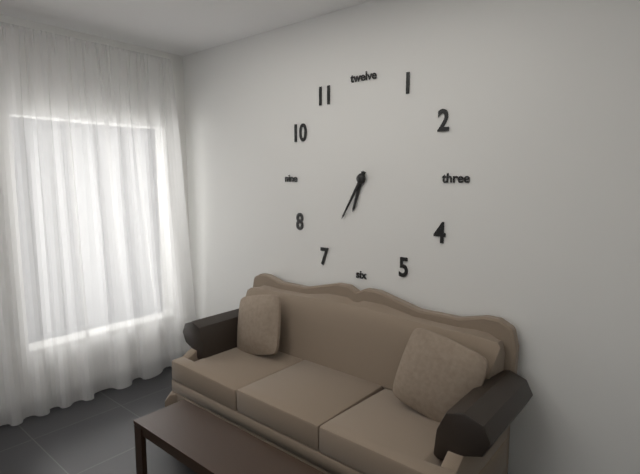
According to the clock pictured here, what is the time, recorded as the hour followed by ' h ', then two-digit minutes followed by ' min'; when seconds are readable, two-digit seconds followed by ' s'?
6 h 35 min
